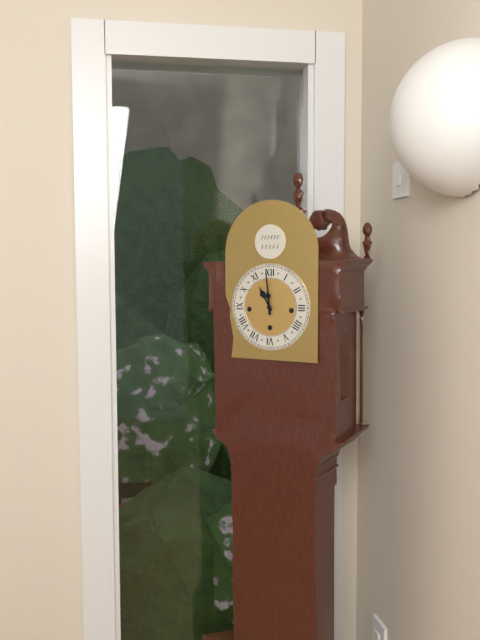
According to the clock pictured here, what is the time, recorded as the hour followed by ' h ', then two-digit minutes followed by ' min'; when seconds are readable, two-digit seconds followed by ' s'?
10 h 59 min
